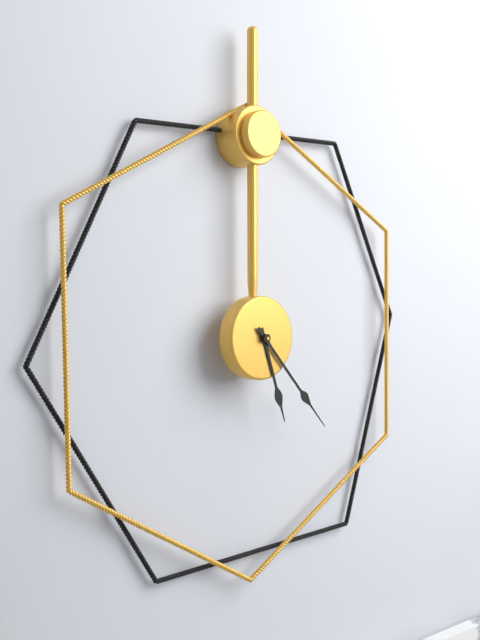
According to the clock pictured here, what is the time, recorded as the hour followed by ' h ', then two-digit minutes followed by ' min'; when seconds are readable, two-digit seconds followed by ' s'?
5 h 23 min
